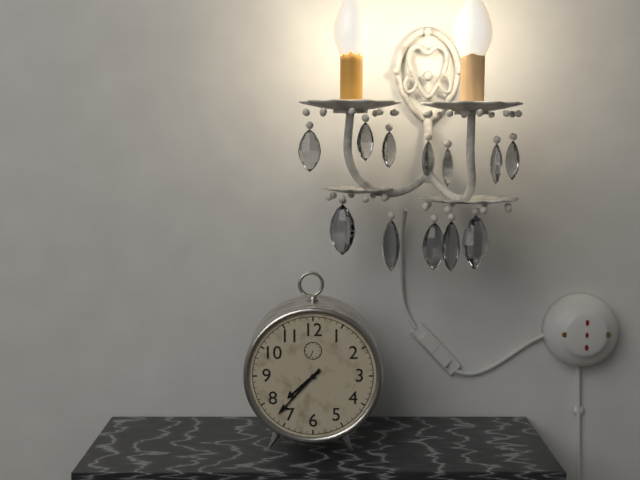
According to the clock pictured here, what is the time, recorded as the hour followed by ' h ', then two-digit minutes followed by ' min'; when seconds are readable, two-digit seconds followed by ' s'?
7 h 37 min
